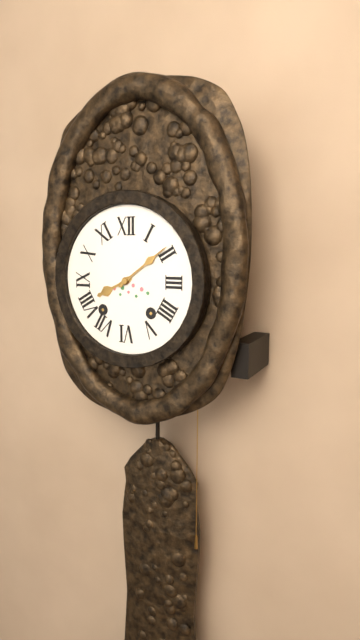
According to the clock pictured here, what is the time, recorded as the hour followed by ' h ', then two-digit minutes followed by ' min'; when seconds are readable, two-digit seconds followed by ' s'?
8 h 09 min
